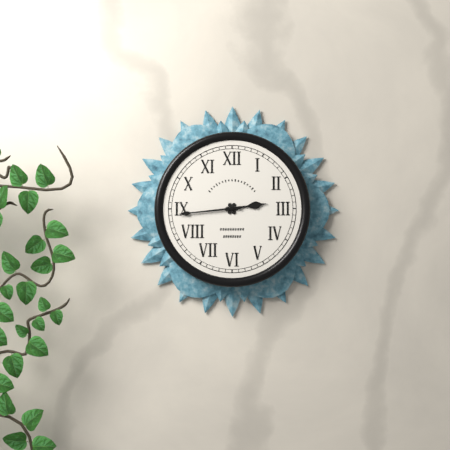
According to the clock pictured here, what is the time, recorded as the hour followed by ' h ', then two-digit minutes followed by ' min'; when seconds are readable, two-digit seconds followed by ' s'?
2 h 44 min
